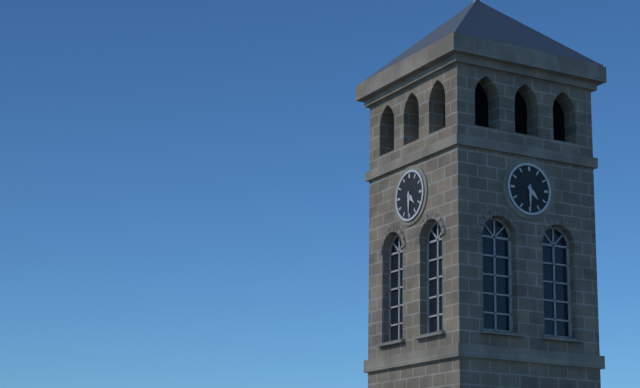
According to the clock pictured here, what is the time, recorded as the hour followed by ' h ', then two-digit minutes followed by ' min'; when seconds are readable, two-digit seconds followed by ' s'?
4 h 30 min
